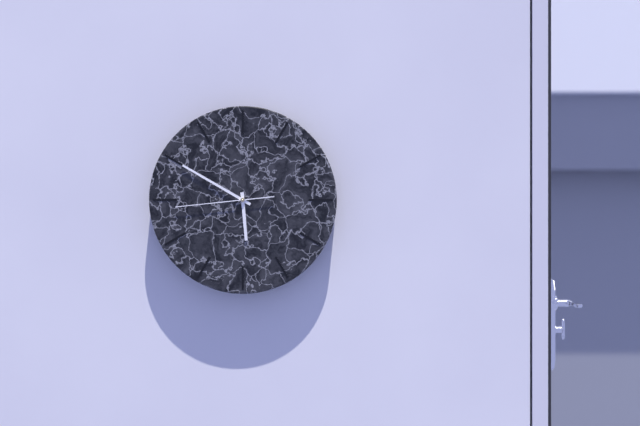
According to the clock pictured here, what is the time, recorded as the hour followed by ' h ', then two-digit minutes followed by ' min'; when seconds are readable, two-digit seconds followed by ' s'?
5 h 50 min 44 s
